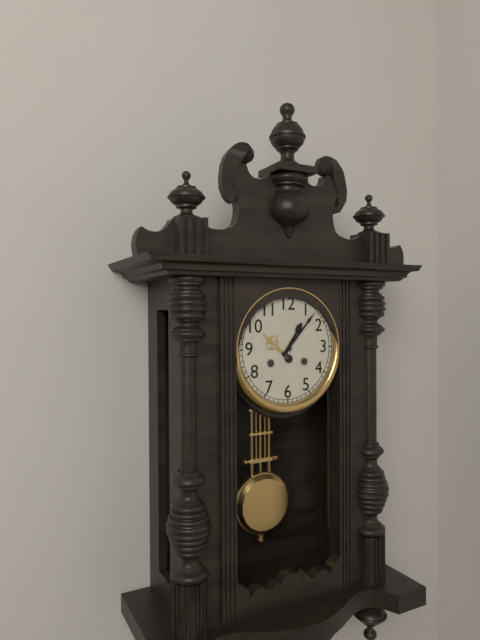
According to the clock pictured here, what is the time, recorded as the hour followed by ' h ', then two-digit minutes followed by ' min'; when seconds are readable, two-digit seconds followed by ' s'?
1 h 07 min
